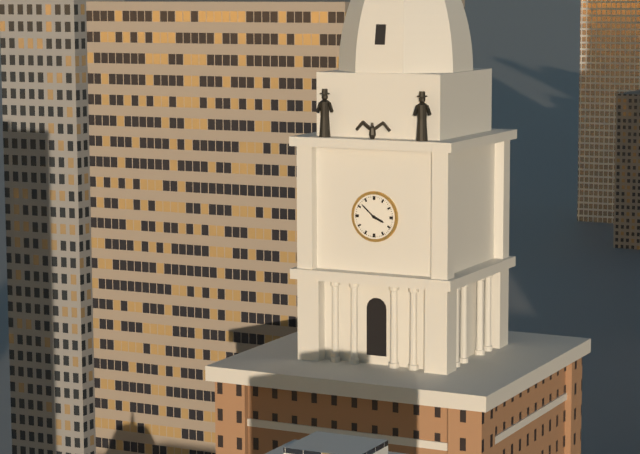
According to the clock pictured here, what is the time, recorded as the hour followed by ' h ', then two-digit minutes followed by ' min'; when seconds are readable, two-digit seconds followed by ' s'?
3 h 52 min
